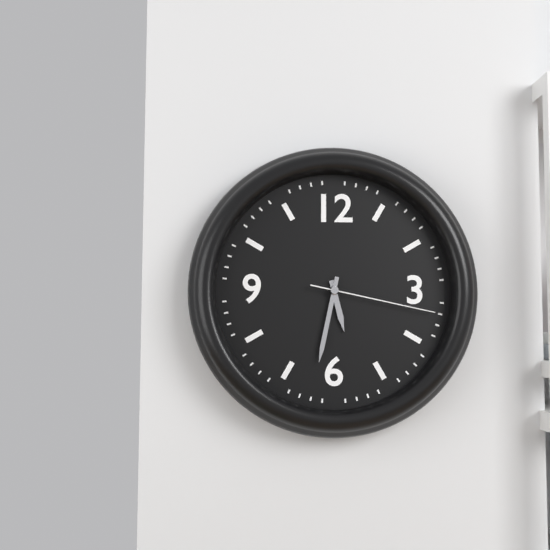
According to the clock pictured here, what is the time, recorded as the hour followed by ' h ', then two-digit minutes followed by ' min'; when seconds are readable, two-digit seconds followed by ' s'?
5 h 32 min 17 s
